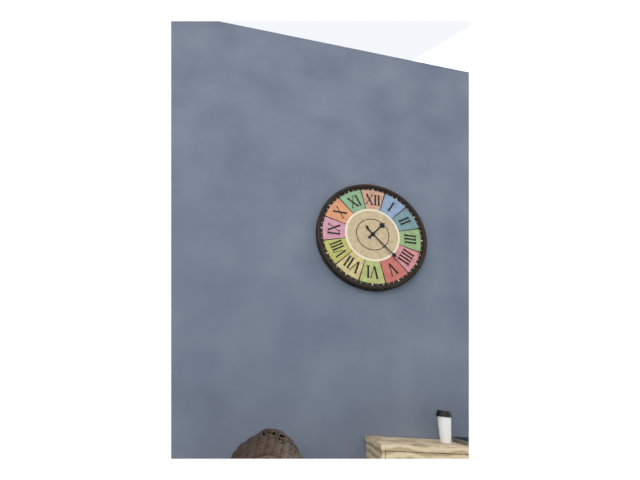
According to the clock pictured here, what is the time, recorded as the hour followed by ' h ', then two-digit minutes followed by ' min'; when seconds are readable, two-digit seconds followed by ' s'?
1 h 22 min
